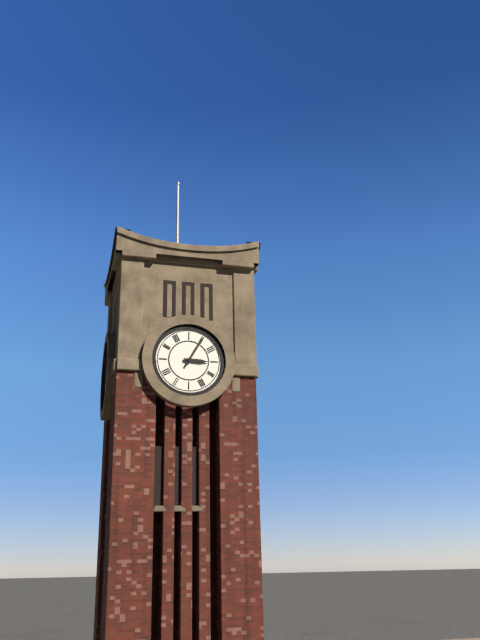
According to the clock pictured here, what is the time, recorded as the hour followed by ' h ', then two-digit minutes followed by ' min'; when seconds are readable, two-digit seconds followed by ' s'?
3 h 05 min
